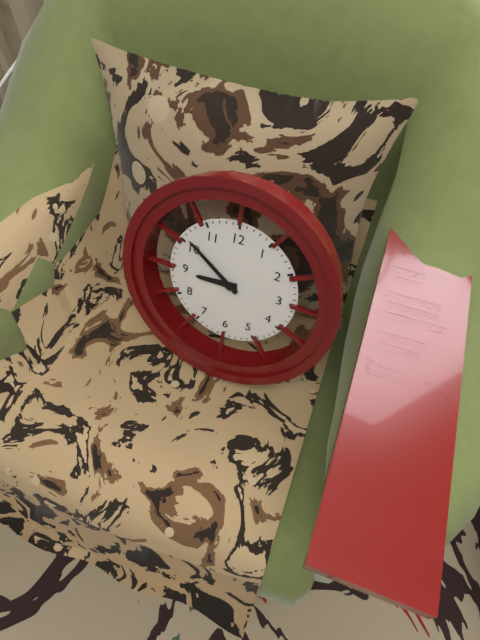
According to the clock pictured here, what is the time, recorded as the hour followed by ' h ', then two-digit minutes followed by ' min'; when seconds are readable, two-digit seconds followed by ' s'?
8 h 51 min
